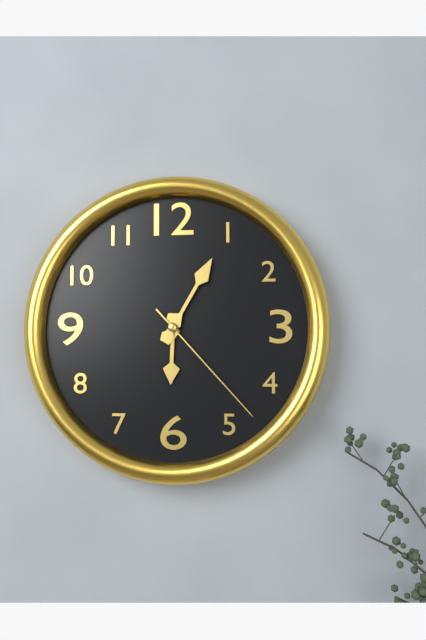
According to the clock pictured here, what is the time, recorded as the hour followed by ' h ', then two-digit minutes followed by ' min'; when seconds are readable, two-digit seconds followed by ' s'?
6 h 05 min 23 s
